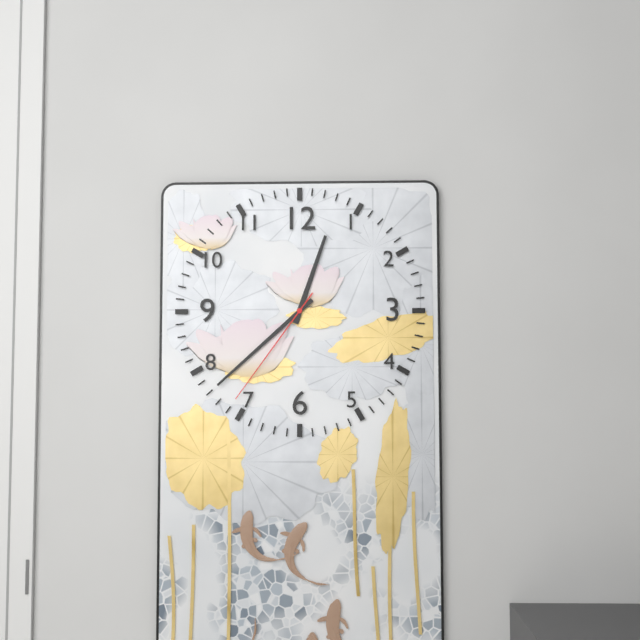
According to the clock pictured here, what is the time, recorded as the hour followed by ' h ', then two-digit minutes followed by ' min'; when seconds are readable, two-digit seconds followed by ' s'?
12 h 38 min 36 s
